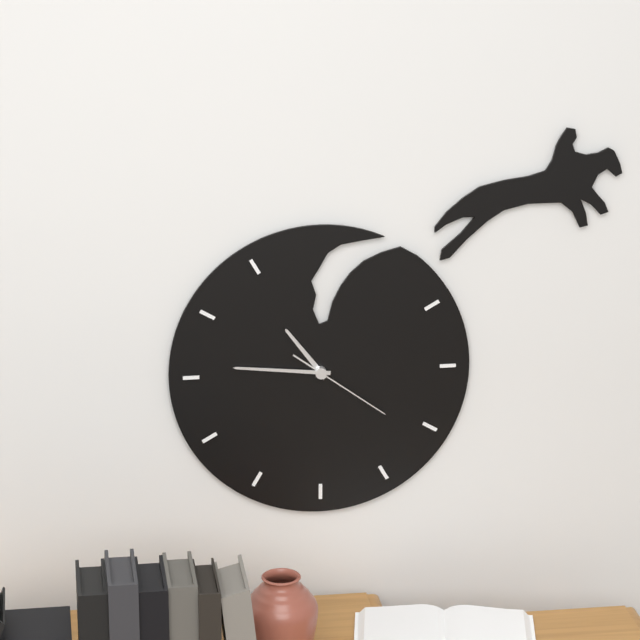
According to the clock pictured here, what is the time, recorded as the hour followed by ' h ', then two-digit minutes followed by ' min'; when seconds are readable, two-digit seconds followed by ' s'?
10 h 46 min 21 s
